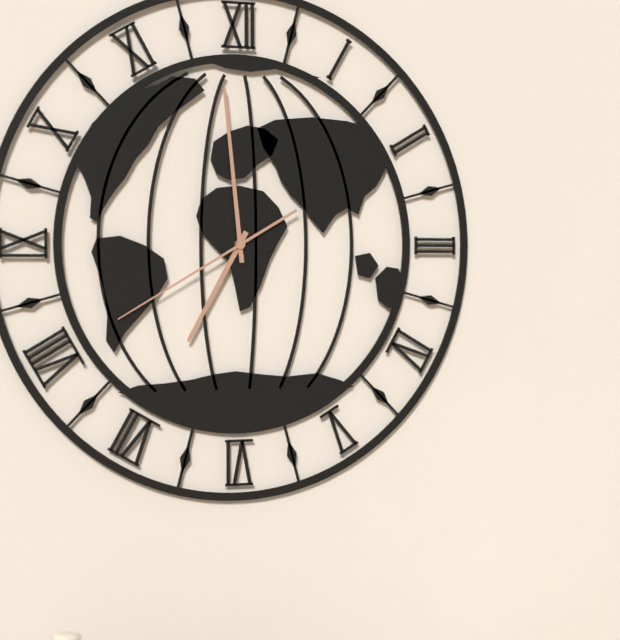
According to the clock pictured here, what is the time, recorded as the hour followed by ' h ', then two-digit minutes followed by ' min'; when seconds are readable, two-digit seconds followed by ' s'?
6 h 59 min 40 s
